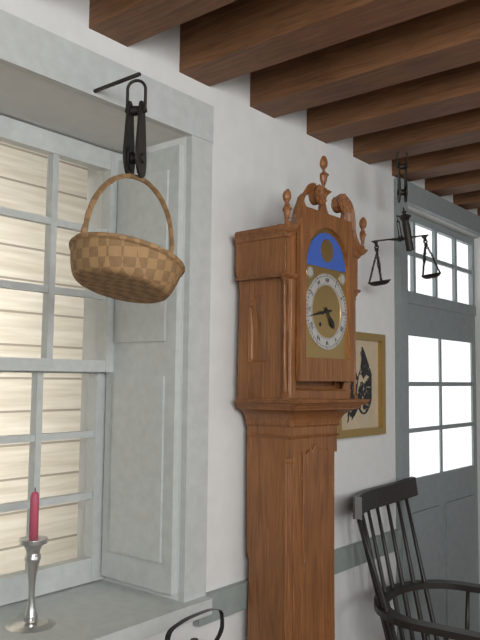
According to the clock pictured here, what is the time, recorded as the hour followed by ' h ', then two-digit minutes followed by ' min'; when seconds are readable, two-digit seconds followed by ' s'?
4 h 43 min
